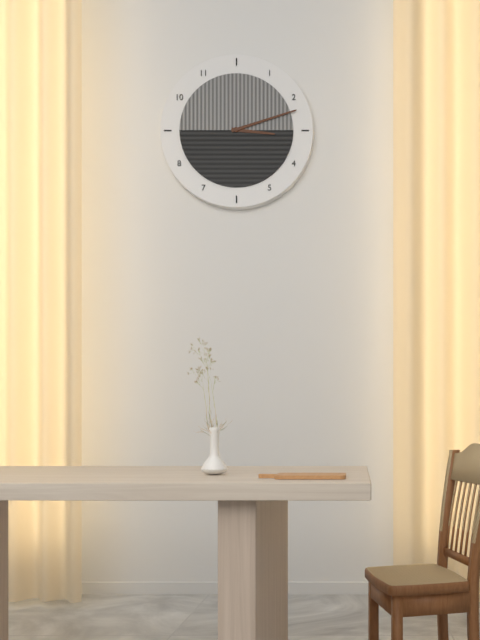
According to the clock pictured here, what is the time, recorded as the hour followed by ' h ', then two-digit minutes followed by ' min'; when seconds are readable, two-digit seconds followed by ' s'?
3 h 12 min
